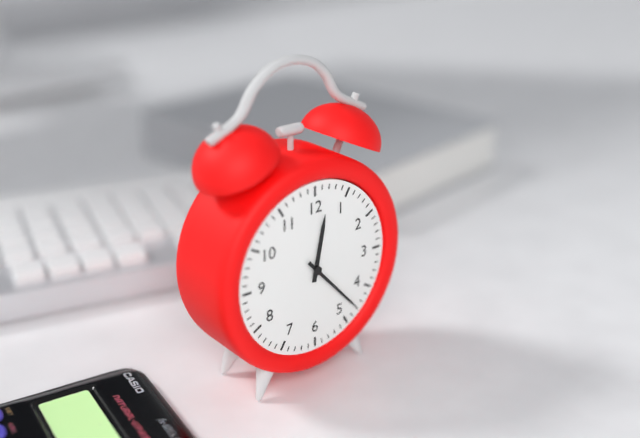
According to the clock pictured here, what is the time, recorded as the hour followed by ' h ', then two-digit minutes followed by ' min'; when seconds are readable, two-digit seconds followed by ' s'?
12 h 23 min
